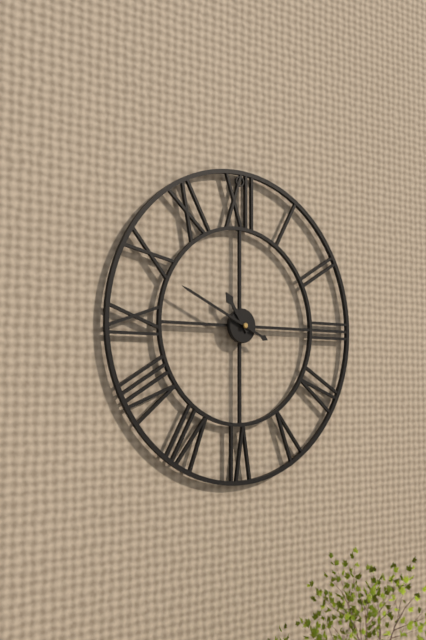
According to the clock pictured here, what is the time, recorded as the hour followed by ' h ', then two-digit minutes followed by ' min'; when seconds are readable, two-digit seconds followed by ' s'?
10 h 49 min
